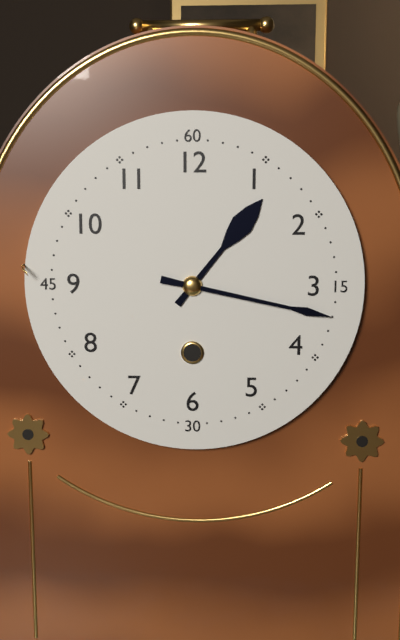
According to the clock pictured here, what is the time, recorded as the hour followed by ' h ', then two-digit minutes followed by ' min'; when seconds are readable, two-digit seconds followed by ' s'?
1 h 17 min
